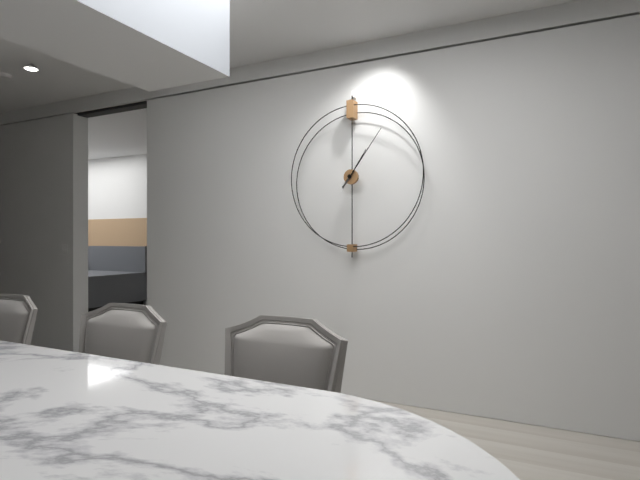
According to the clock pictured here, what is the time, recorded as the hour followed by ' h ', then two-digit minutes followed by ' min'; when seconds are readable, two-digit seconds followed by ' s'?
1 h 06 min
